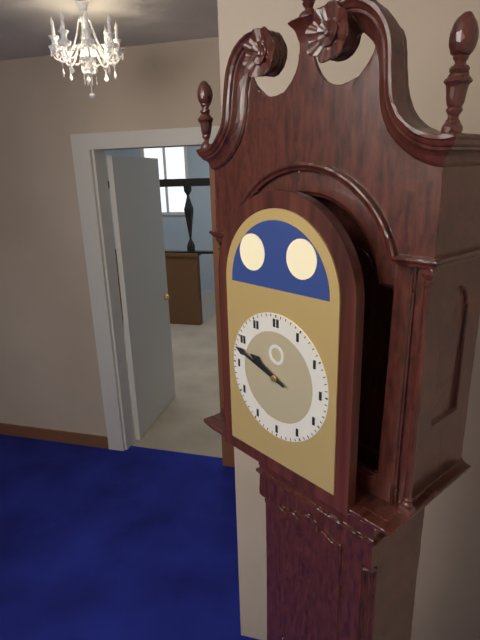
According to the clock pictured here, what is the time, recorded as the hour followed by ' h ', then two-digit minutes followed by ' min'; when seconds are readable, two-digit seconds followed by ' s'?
9 h 48 min
